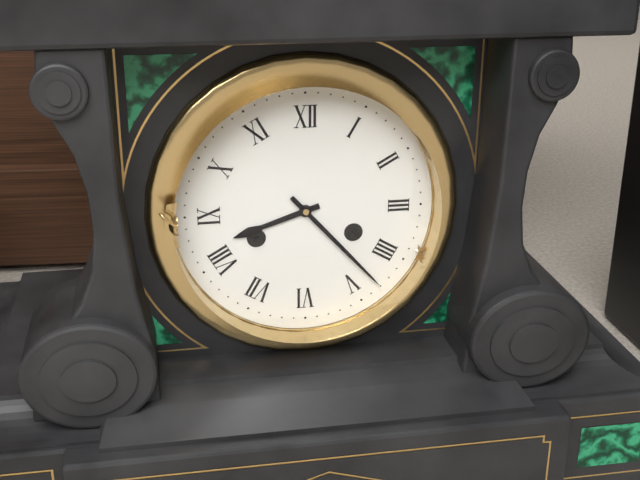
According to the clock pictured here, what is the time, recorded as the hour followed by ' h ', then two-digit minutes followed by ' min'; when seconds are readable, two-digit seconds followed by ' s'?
8 h 23 min
